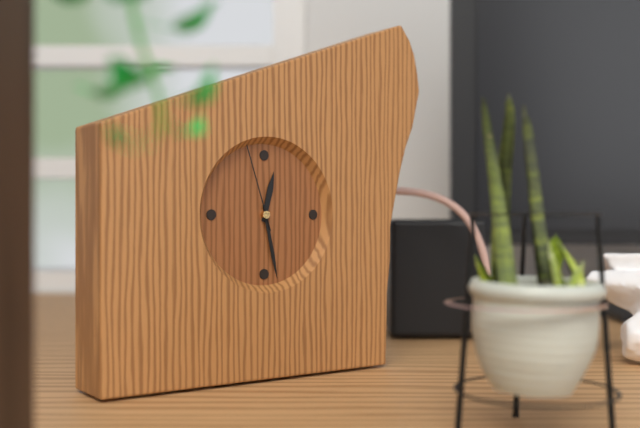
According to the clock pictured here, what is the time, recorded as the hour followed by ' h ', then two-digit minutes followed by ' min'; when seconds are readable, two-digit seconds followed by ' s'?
12 h 28 min 57 s
